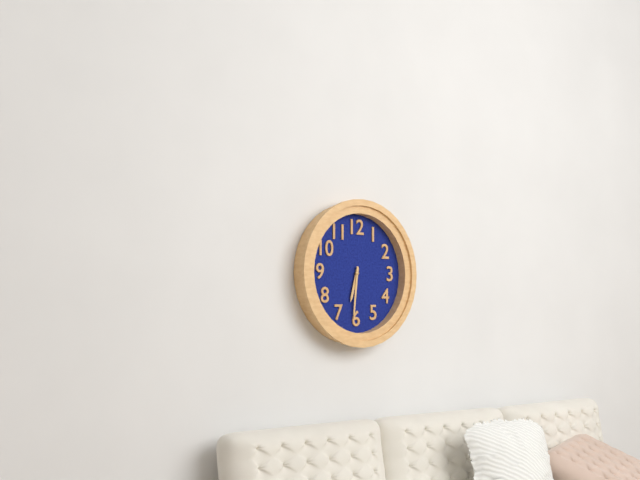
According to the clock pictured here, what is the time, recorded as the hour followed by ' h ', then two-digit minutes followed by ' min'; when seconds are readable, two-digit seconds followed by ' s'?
6 h 31 min
